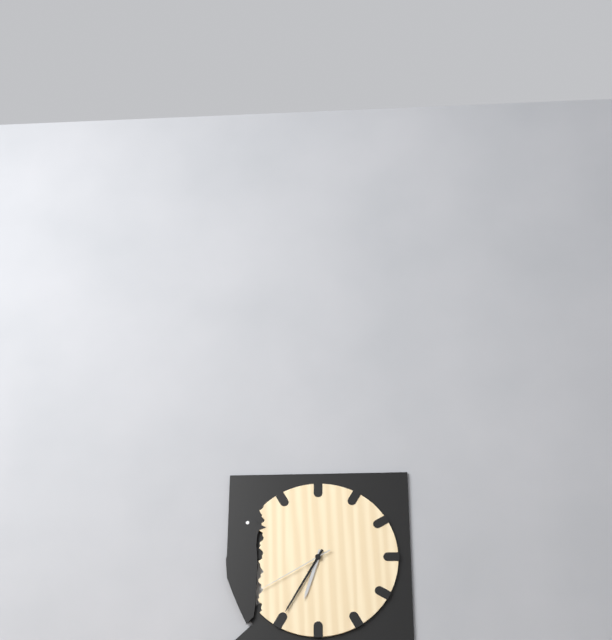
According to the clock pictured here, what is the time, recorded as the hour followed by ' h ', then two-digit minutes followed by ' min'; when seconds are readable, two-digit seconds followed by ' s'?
6 h 35 min 40 s
